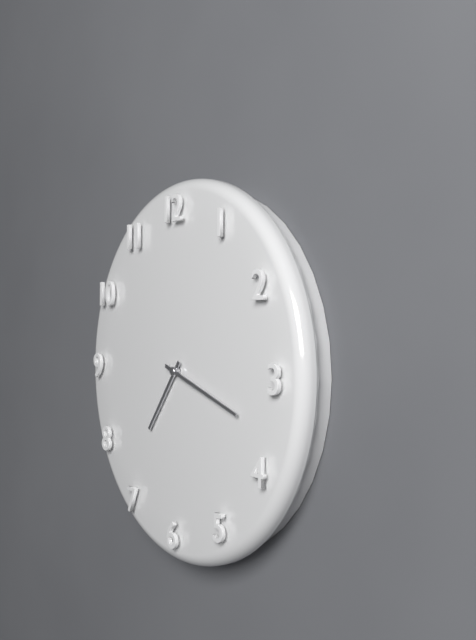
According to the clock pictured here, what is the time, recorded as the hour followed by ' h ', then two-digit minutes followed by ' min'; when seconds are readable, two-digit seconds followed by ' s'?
7 h 18 min
